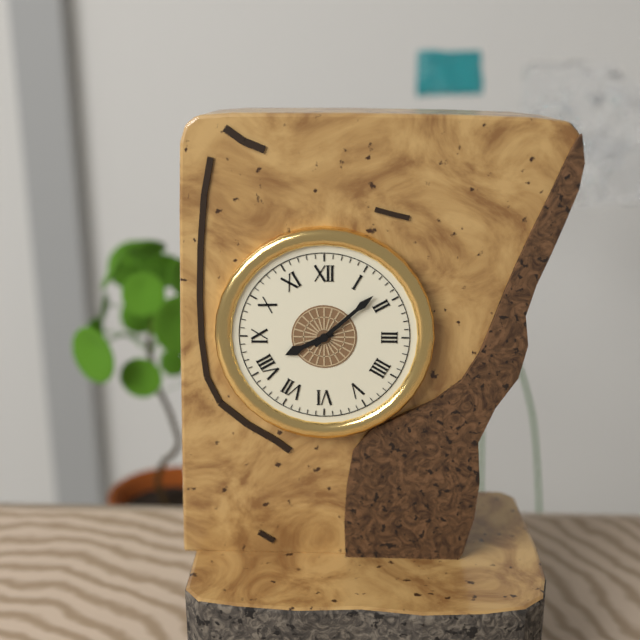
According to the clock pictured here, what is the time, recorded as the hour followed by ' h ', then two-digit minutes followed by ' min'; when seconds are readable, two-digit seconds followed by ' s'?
8 h 08 min
